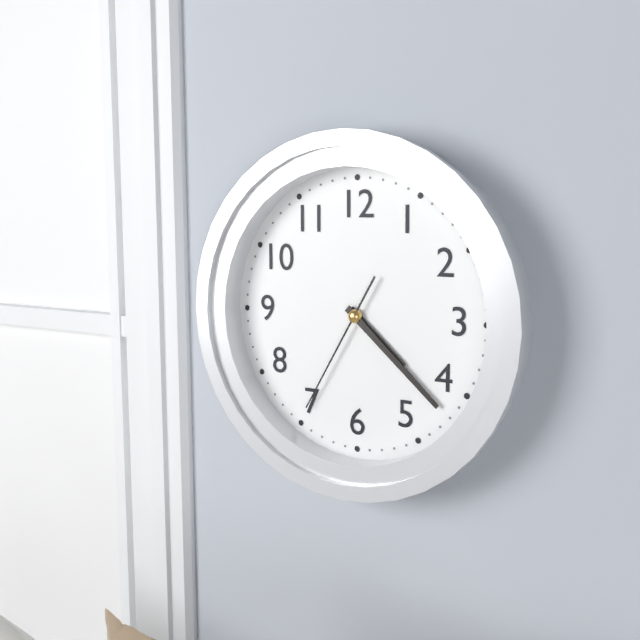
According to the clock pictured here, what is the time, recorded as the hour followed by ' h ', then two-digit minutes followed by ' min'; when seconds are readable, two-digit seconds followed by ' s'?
4 h 22 min 35 s
